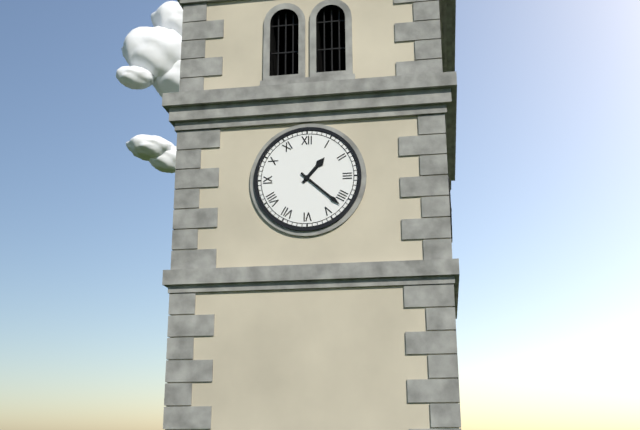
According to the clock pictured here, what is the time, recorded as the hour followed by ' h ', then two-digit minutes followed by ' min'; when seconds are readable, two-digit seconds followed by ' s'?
1 h 22 min
